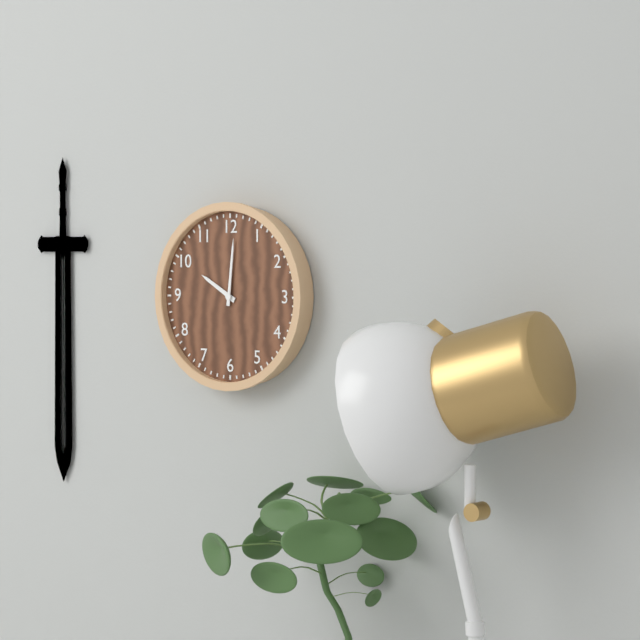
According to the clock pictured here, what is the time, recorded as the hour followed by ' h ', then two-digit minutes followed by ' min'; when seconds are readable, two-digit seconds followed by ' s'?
10 h 01 min
